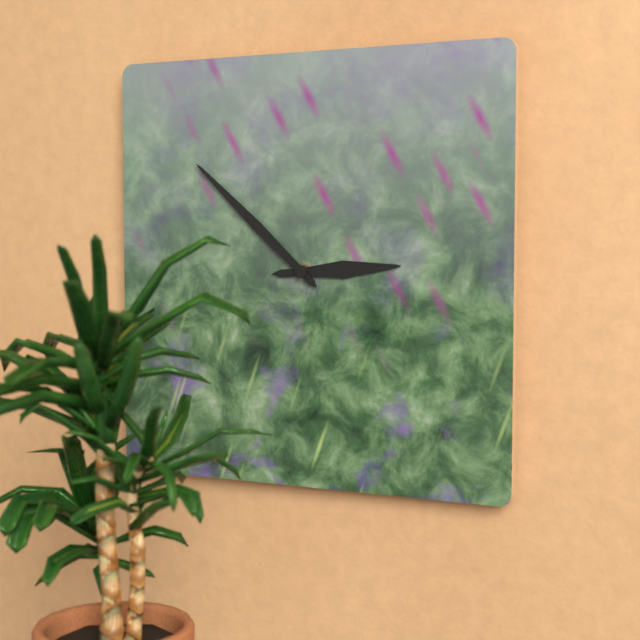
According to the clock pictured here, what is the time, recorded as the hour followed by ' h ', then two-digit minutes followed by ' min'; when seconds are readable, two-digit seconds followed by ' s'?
2 h 52 min
